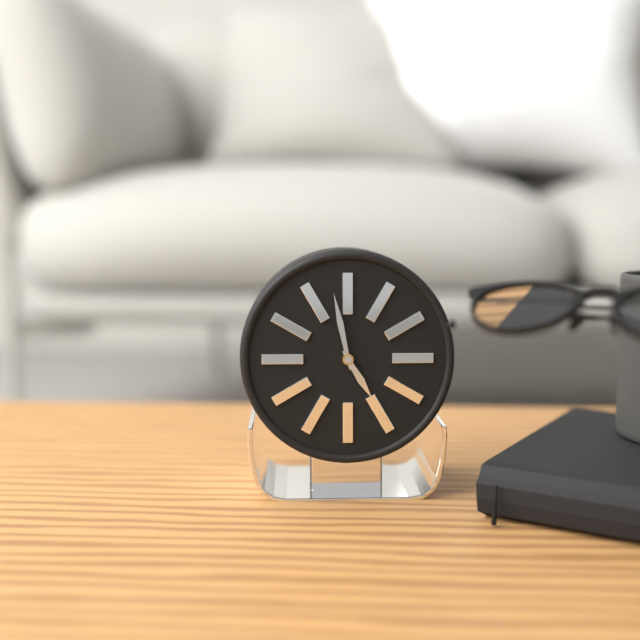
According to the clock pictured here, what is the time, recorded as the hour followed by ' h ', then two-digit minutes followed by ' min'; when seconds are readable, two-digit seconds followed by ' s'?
4 h 58 min
